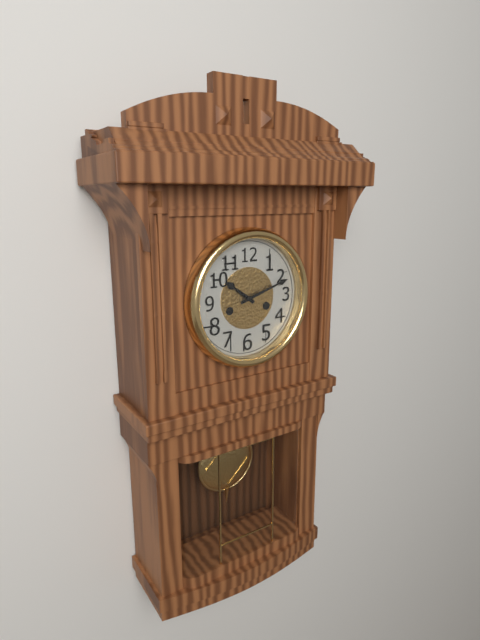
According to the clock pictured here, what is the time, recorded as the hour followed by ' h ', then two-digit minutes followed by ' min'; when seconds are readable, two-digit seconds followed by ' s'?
10 h 12 min
